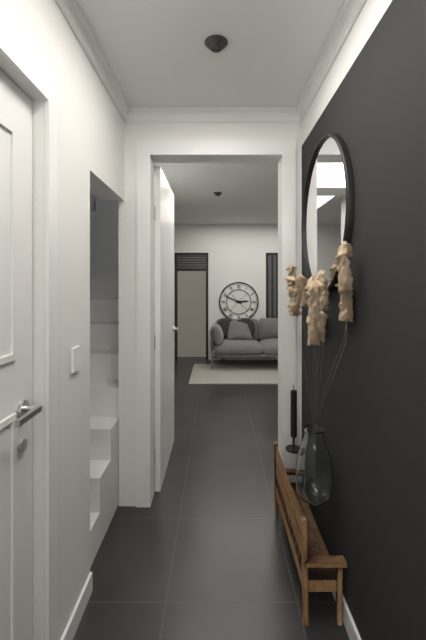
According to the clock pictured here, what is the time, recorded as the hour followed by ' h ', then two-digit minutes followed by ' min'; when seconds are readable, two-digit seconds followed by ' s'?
2 h 49 min
